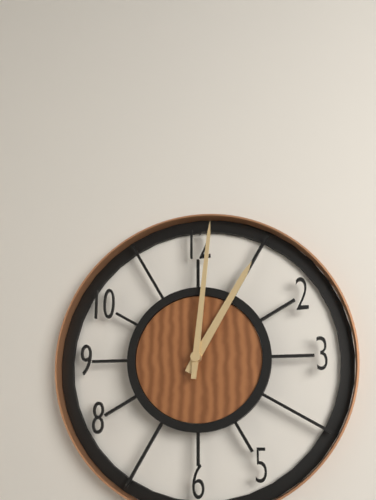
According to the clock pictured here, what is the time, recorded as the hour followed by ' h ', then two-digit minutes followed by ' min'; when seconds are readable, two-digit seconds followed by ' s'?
1 h 01 min
